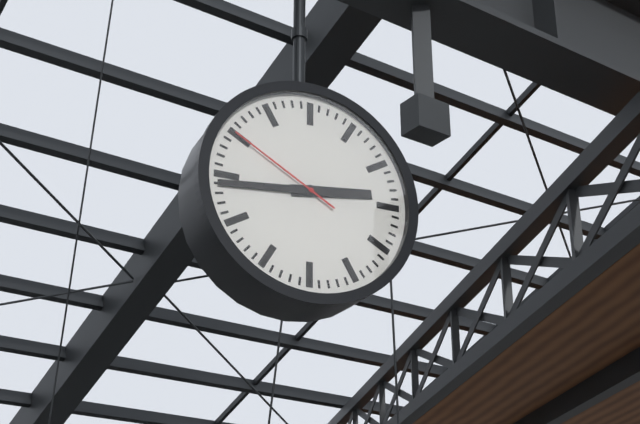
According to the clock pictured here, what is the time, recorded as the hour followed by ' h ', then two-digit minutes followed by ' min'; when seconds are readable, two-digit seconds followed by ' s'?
2 h 44 min 50 s
